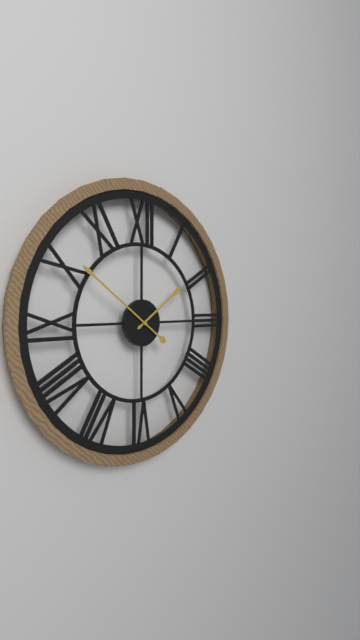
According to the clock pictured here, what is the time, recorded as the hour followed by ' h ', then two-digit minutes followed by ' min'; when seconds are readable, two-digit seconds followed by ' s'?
1 h 51 min
